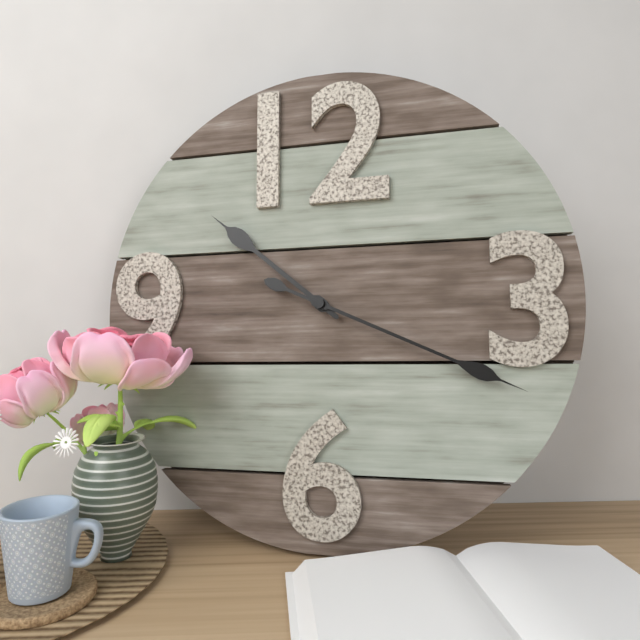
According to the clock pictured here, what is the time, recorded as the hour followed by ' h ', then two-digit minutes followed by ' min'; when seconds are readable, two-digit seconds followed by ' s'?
10 h 19 min
